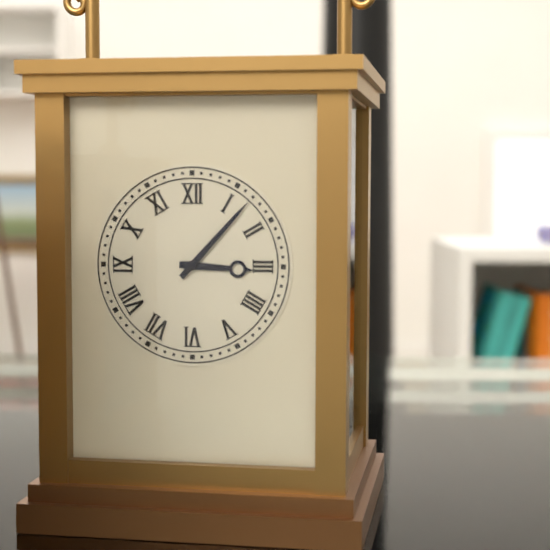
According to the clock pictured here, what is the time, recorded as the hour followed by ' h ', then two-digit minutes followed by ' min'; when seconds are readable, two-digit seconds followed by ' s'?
3 h 07 min
